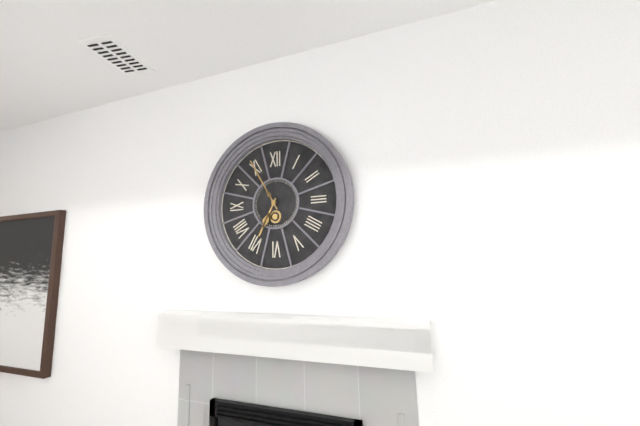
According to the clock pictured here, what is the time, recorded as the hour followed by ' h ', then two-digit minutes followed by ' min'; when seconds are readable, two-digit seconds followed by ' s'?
6 h 55 min
